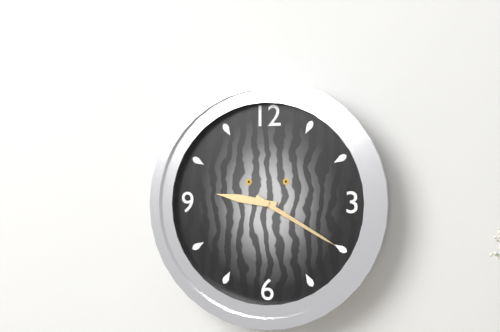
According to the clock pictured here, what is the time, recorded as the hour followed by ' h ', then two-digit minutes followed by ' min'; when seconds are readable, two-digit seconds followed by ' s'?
9 h 20 min
